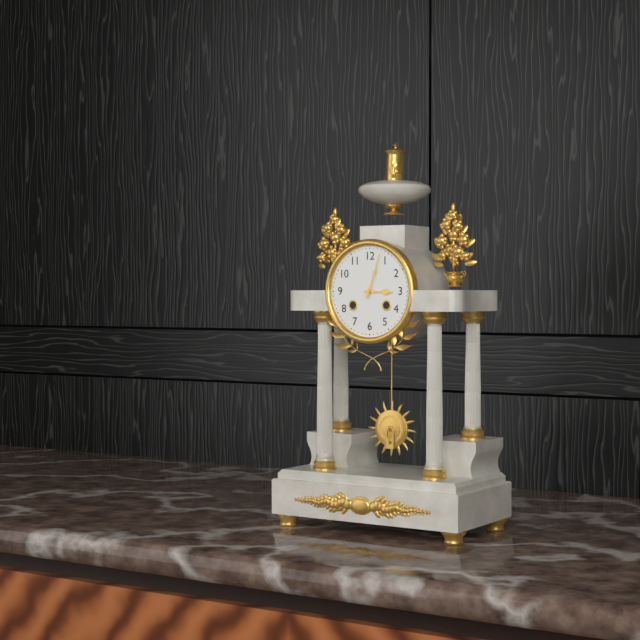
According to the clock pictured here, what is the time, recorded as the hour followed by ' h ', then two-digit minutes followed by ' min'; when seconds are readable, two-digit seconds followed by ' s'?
3 h 03 min
